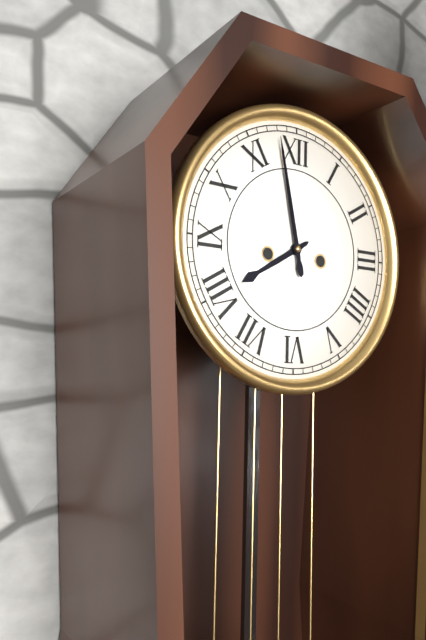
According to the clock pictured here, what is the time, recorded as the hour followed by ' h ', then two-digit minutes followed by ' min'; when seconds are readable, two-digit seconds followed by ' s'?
7 h 58 min
